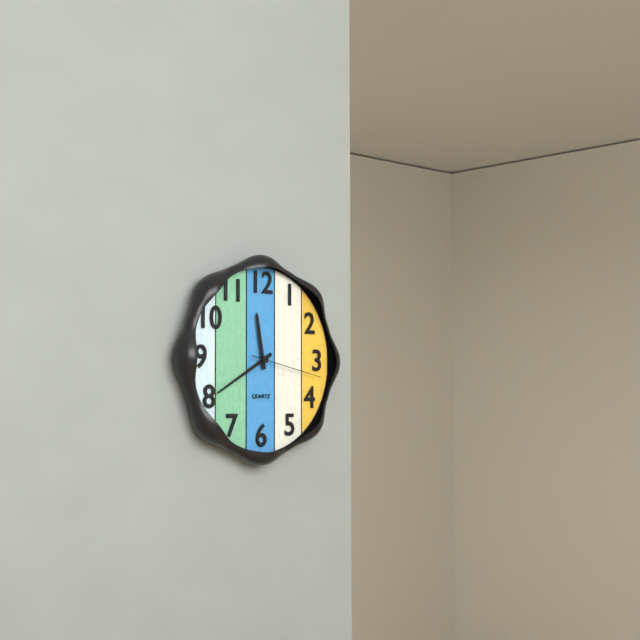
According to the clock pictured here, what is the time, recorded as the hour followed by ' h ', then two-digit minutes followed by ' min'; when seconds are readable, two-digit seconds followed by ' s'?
11 h 40 min 17 s
